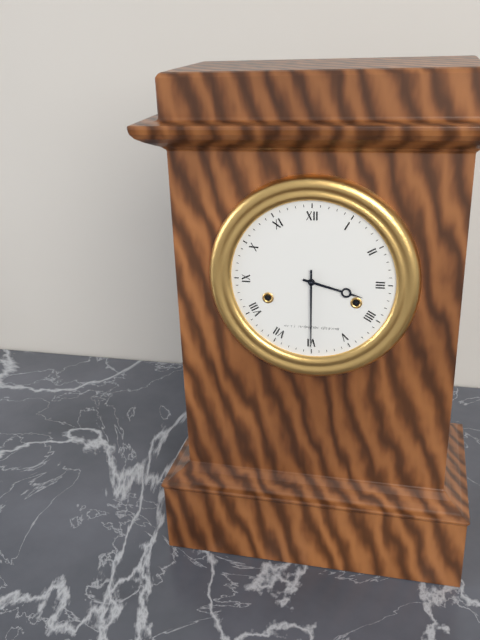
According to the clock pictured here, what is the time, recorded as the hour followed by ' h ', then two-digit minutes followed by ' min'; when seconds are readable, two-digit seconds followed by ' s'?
3 h 30 min
